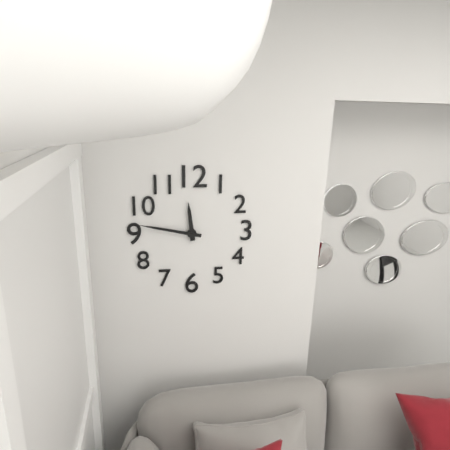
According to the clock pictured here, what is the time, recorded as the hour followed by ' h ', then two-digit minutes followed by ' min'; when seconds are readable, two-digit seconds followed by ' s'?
11 h 47 min
